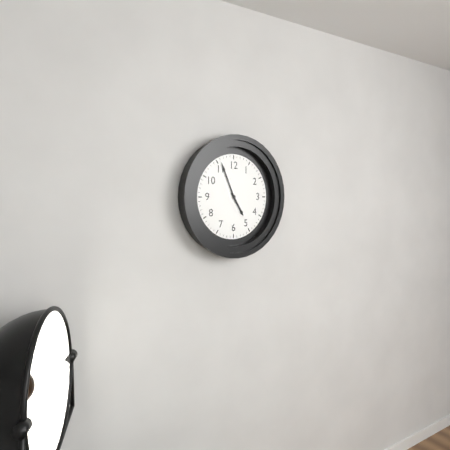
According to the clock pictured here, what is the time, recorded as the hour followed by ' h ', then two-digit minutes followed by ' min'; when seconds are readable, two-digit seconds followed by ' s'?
4 h 56 min
